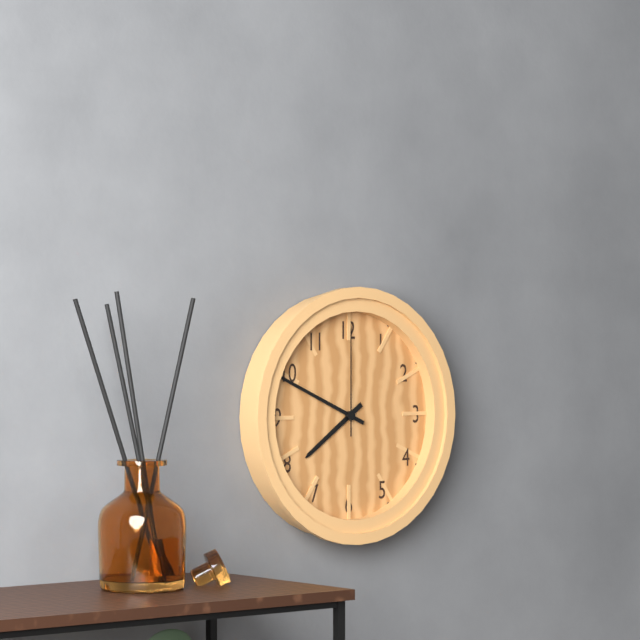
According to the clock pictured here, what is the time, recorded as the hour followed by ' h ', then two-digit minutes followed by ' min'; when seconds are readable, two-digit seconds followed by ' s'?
7 h 49 min 00 s
